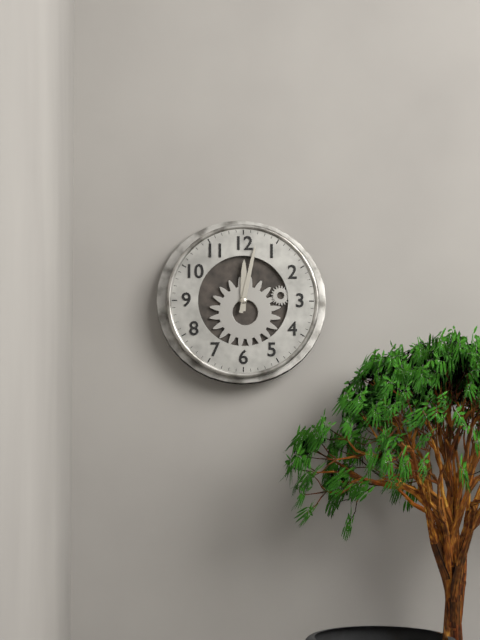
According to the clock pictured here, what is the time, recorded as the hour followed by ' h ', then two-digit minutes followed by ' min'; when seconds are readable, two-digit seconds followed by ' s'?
12 h 02 min
